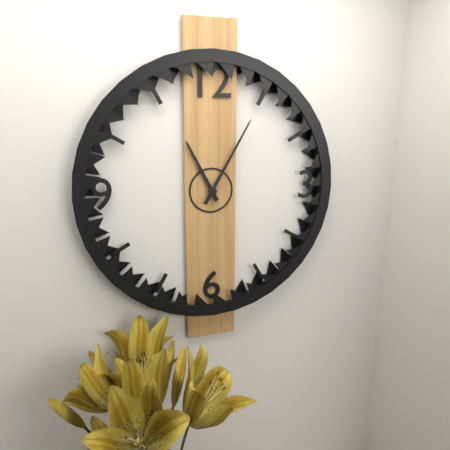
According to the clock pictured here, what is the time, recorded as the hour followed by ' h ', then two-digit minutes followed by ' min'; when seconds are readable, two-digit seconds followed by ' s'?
11 h 05 min
